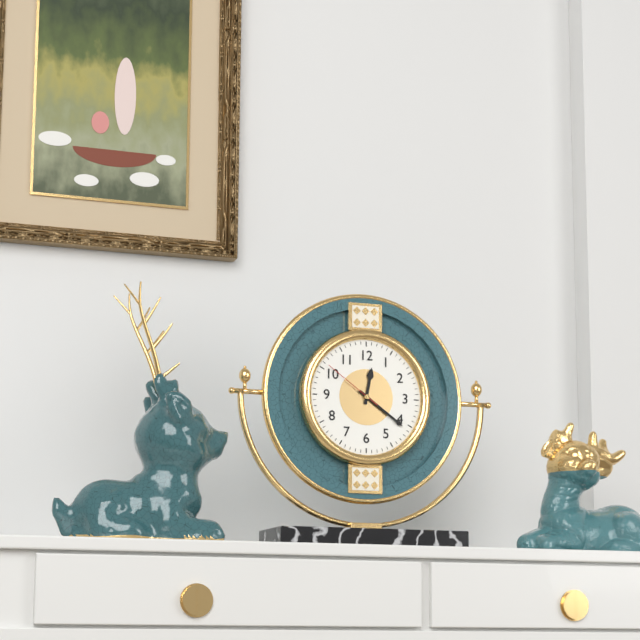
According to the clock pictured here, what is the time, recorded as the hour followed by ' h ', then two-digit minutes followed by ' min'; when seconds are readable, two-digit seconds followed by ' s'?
12 h 21 min 51 s
